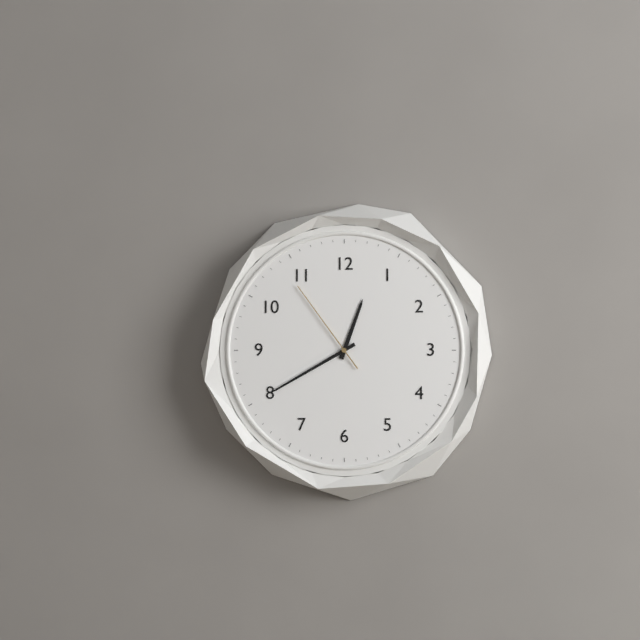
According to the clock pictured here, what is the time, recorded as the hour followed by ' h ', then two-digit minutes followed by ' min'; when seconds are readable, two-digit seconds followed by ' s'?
12 h 40 min 54 s
